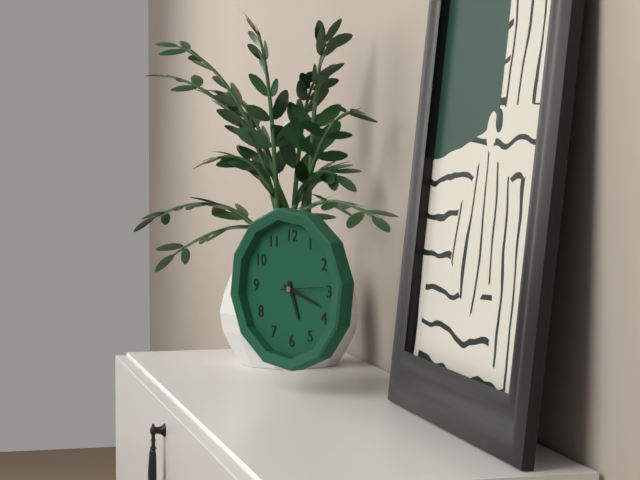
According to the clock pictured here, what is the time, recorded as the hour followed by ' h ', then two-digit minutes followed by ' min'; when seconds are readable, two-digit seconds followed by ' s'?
5 h 18 min
